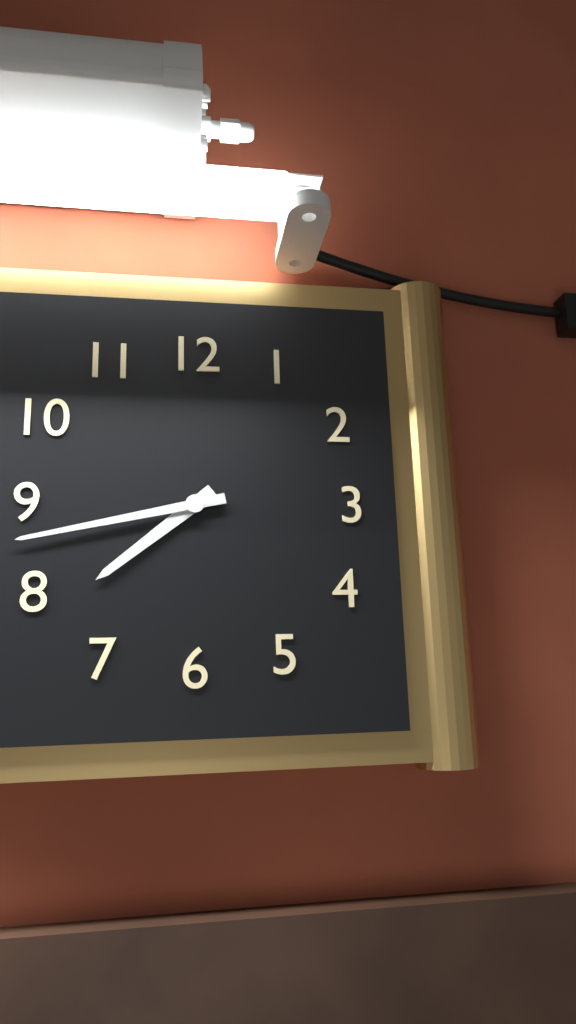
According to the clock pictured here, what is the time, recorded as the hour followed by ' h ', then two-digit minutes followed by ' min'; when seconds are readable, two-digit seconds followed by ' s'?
7 h 43 min
